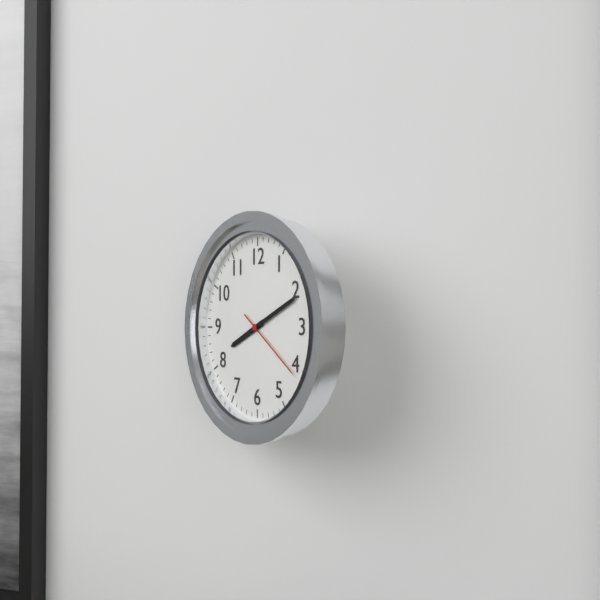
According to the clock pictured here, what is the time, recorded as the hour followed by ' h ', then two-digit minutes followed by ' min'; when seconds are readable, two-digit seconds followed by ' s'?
8 h 11 min 21 s
